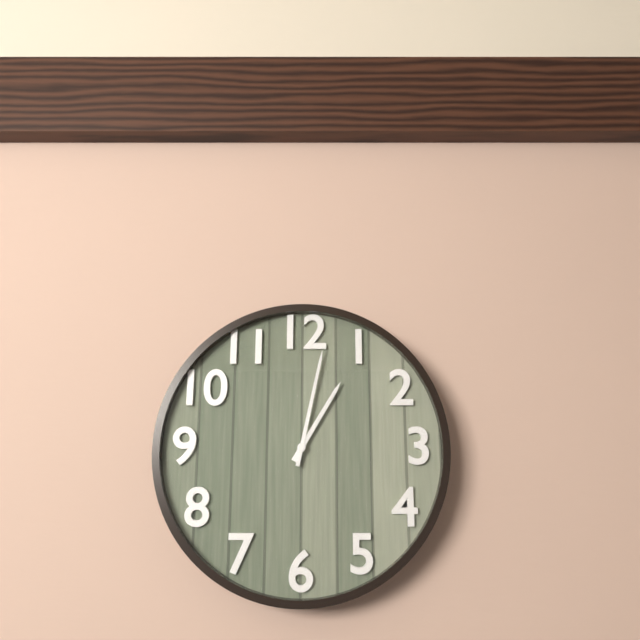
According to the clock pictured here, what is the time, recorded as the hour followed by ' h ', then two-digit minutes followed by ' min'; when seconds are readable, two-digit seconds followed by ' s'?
1 h 02 min
